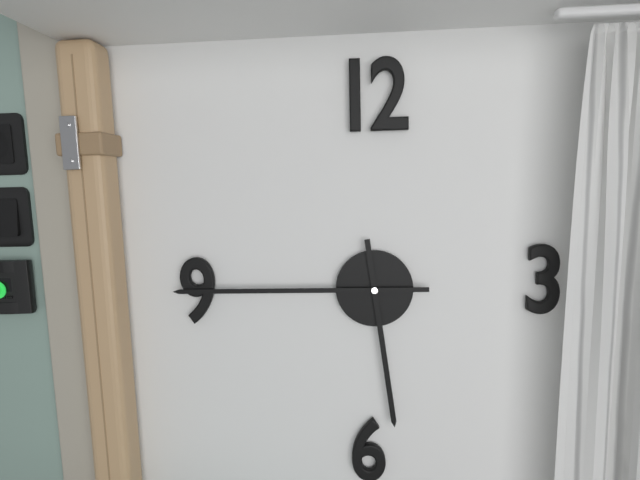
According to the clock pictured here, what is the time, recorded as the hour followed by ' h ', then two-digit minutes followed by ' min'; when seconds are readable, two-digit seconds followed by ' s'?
5 h 45 min
